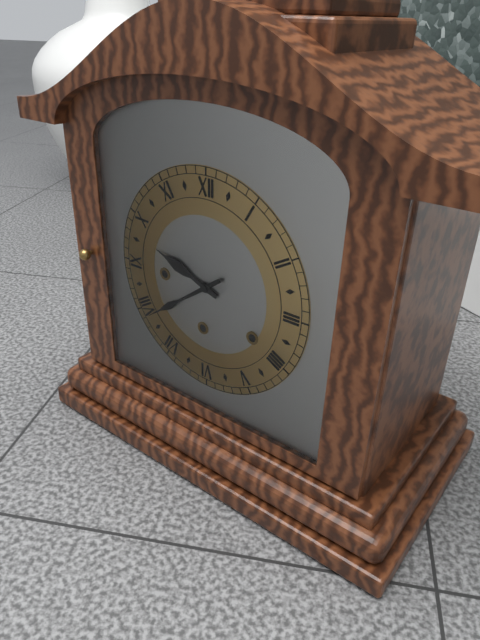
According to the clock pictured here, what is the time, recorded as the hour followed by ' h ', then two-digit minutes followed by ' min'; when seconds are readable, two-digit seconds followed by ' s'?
9 h 39 min
